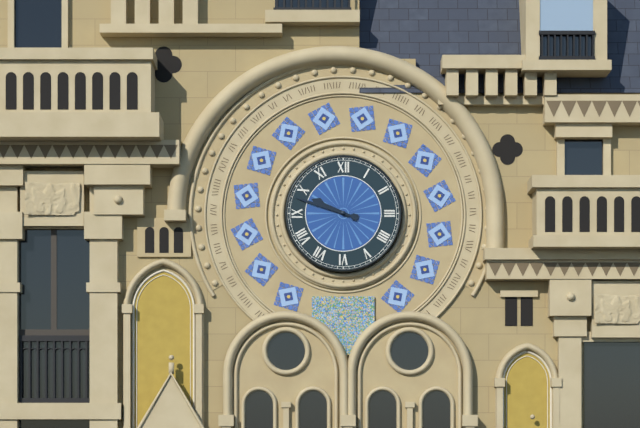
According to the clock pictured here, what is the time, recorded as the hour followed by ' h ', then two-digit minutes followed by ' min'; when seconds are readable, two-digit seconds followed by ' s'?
9 h 48 min
